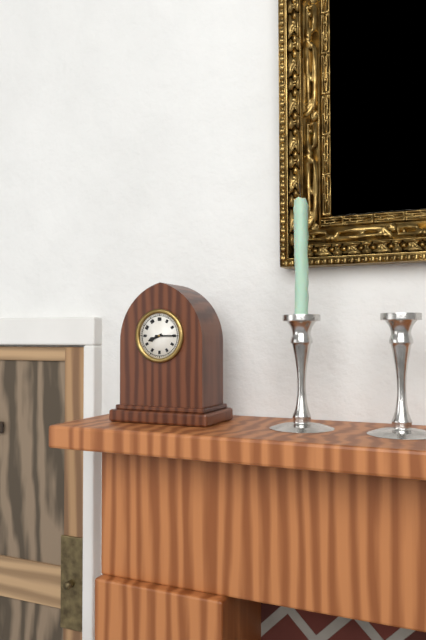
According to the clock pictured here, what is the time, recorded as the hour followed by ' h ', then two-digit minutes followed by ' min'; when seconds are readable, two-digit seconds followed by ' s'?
8 h 15 min
